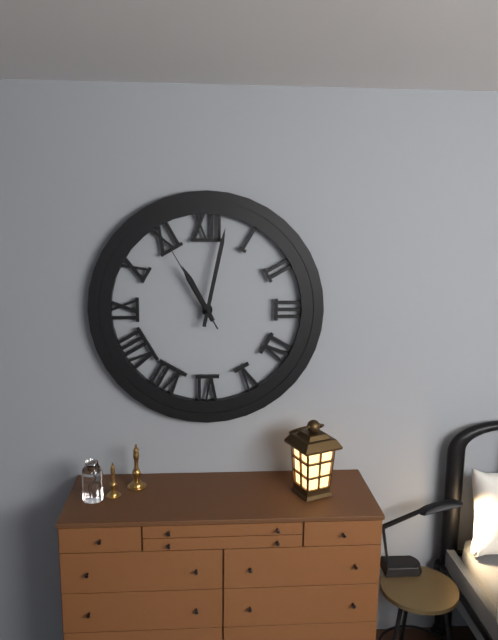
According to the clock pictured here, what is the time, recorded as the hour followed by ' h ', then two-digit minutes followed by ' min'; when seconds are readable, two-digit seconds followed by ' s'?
11 h 02 min 55 s
